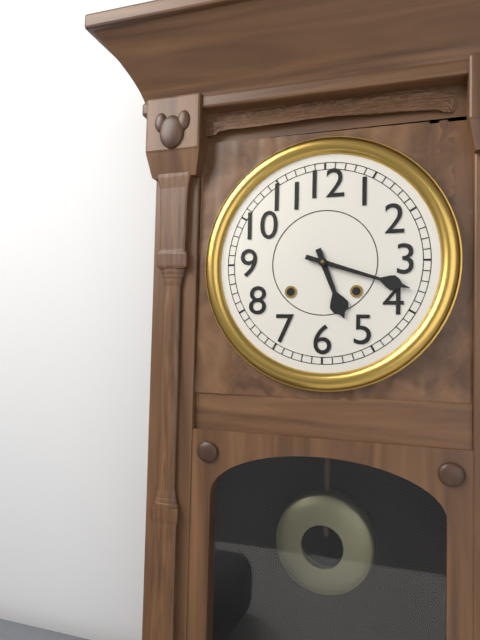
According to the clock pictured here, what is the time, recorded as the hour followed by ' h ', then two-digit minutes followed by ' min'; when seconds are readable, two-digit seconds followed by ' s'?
5 h 18 min
